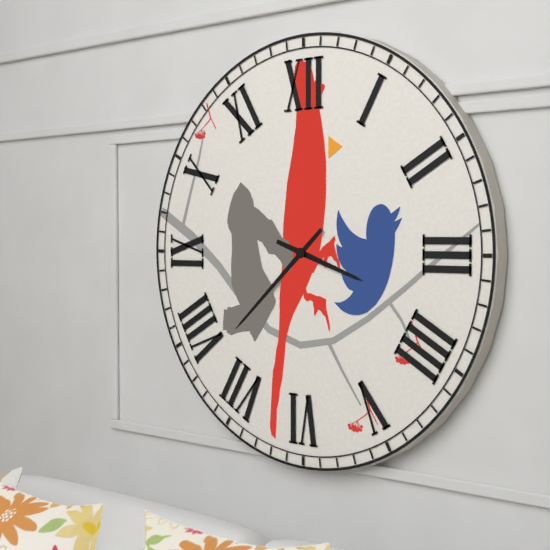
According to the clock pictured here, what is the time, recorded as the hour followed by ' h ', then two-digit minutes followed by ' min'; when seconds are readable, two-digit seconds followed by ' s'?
3 h 38 min
